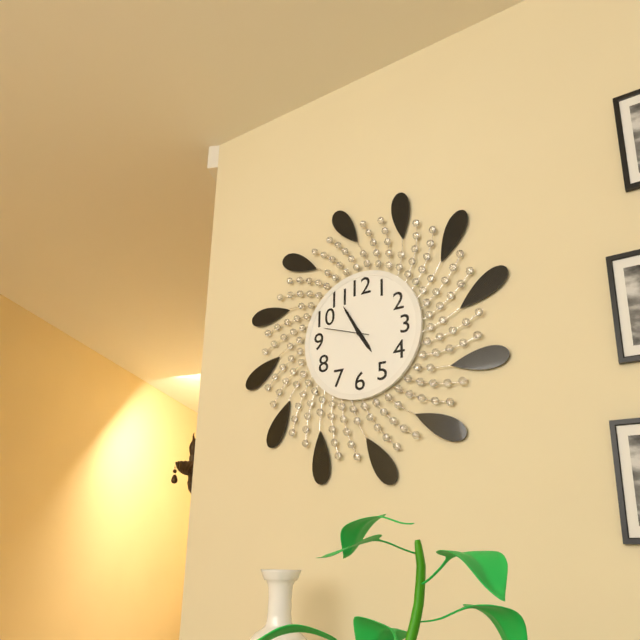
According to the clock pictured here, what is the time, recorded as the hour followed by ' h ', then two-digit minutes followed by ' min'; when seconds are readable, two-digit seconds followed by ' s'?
4 h 55 min
